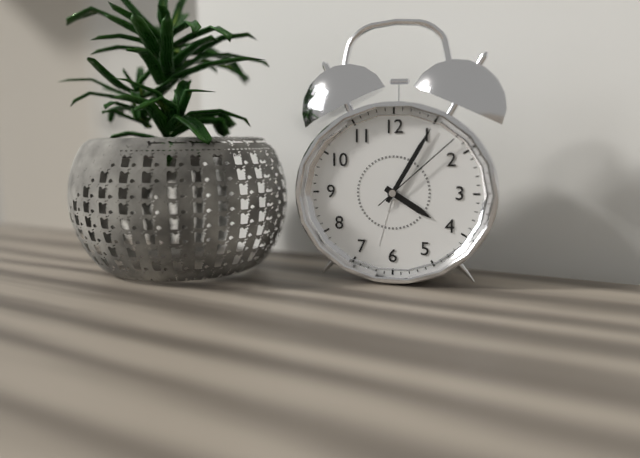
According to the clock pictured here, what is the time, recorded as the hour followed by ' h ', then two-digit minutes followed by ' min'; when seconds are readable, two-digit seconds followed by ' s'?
4 h 05 min 08 s
